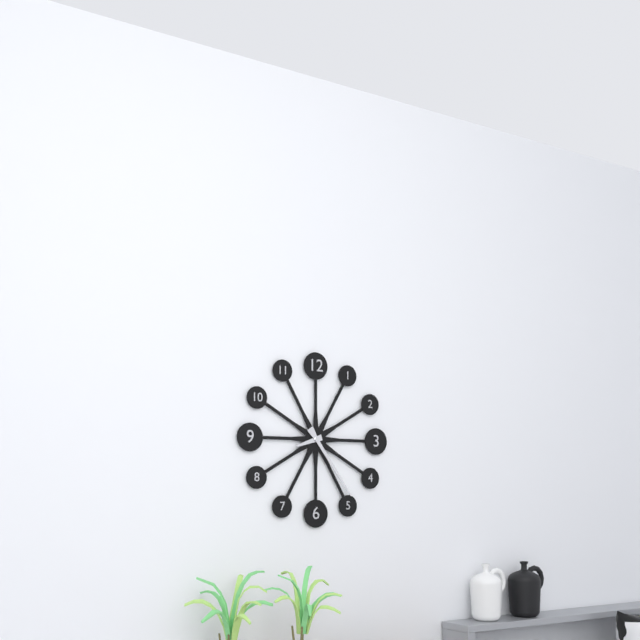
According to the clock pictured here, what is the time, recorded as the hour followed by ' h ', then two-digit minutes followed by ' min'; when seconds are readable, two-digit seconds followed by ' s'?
8 h 24 min
